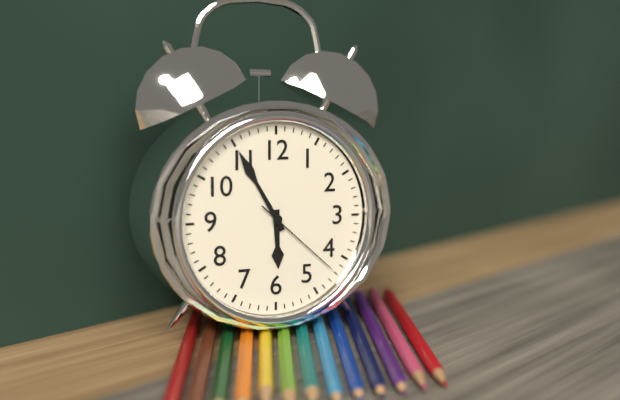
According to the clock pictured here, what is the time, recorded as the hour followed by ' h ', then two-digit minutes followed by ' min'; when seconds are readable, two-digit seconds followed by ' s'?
5 h 55 min 22 s
